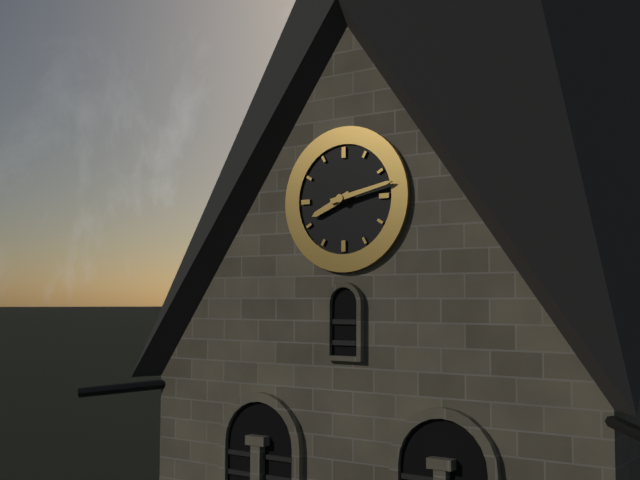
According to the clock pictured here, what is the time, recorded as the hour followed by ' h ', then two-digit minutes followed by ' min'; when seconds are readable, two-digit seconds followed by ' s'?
8 h 13 min
